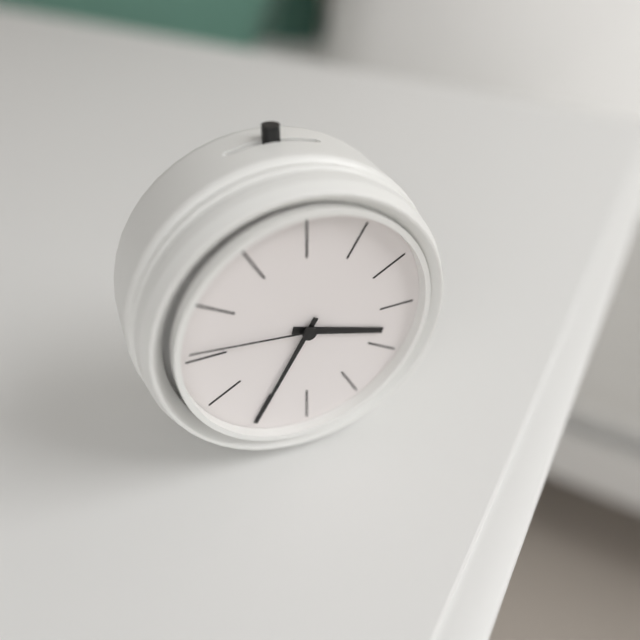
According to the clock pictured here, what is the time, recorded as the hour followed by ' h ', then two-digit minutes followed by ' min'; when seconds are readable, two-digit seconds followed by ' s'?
3 h 35 min 46 s
